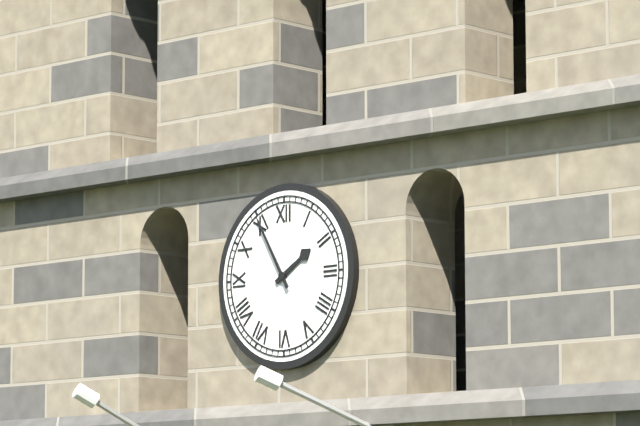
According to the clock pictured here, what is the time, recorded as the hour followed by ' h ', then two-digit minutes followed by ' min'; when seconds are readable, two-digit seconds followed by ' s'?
1 h 55 min
